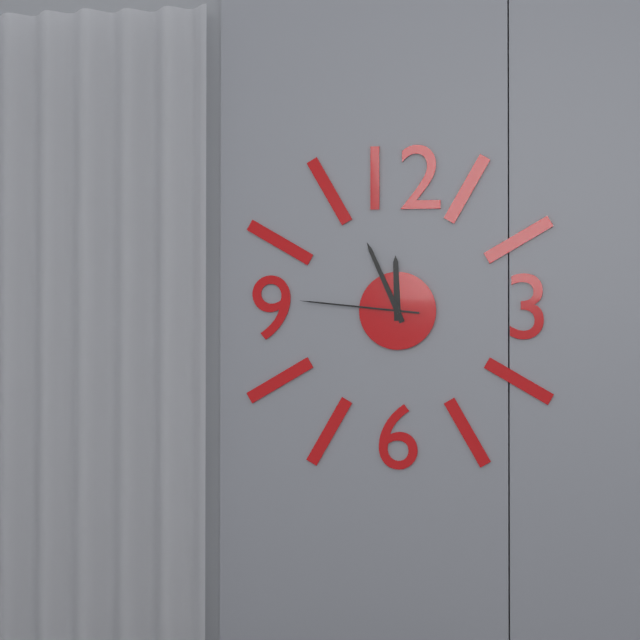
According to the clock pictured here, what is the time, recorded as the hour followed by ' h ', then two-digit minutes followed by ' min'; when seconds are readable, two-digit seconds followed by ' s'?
11 h 56 min 46 s
